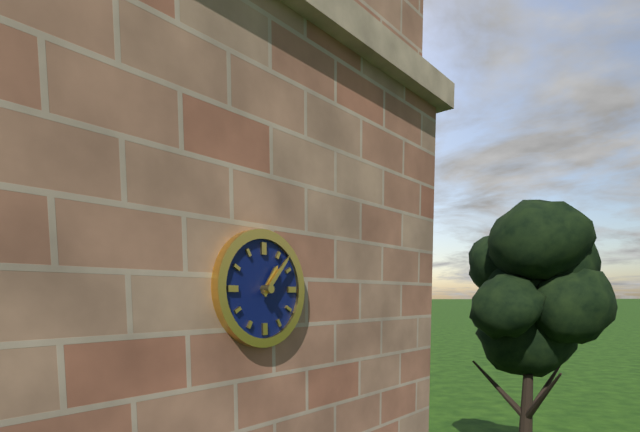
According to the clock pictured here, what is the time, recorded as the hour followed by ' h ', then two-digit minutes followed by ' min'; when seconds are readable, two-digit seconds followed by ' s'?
1 h 07 min
